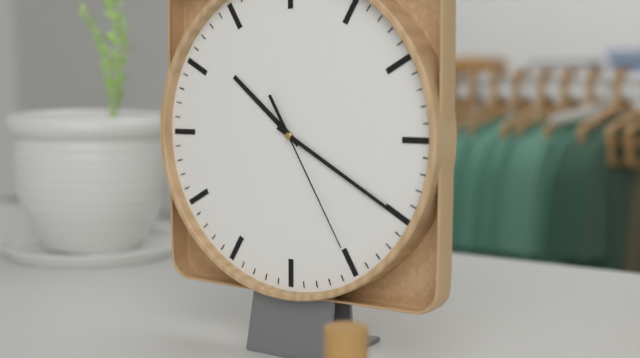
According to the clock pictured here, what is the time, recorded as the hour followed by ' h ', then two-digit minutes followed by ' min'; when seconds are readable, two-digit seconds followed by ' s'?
10 h 20 min 25 s
